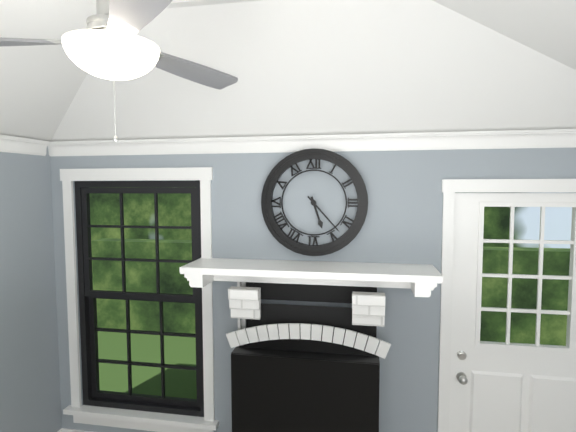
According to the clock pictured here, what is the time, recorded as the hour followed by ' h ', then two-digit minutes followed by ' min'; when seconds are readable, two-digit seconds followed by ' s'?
5 h 23 min
